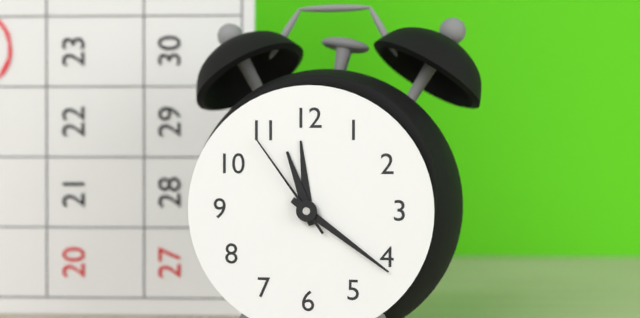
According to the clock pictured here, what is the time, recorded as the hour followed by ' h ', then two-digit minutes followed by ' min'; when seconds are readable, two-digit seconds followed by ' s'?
11 h 21 min 54 s
